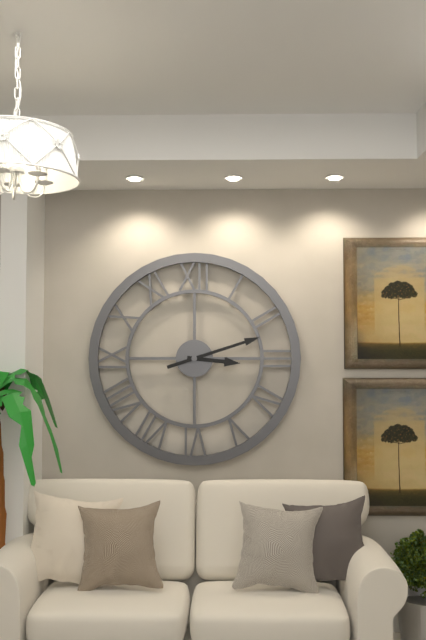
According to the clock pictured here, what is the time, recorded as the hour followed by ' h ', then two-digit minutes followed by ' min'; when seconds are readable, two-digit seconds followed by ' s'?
3 h 12 min
